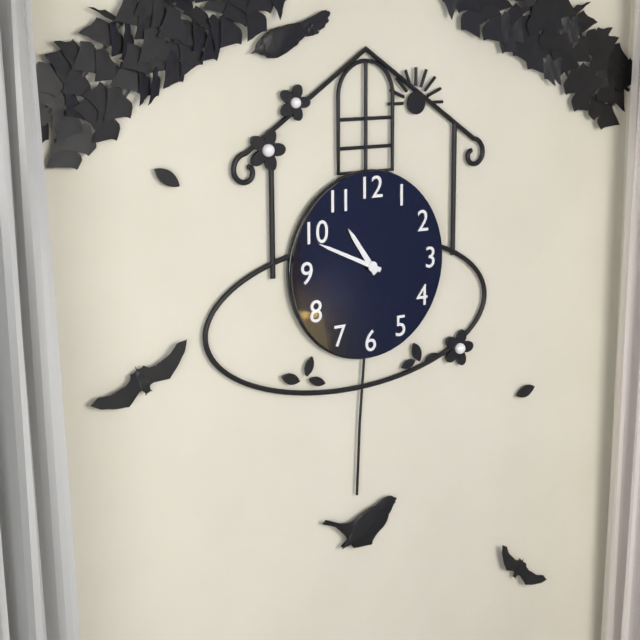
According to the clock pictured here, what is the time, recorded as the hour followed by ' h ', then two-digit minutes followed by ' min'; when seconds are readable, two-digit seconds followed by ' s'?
10 h 49 min
